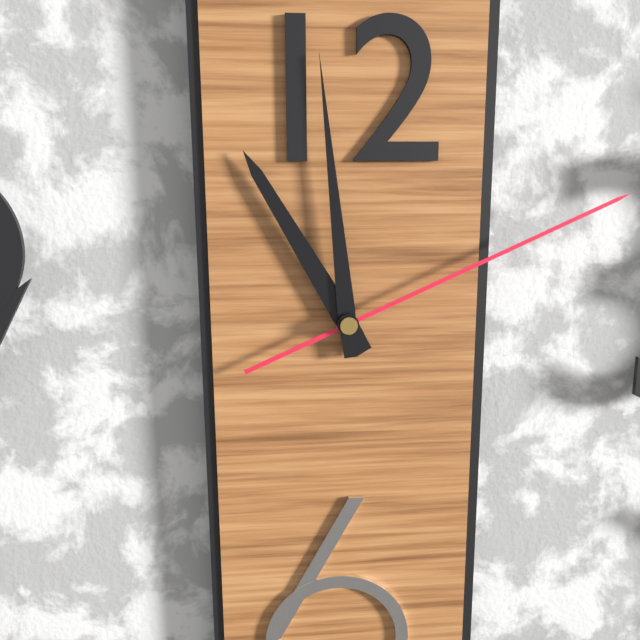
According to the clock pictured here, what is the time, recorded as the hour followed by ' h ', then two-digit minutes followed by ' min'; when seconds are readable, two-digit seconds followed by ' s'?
10 h 59 min 11 s
